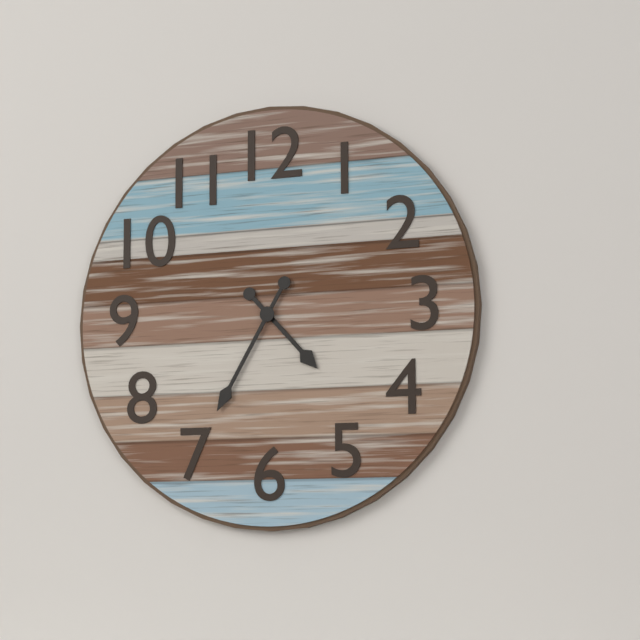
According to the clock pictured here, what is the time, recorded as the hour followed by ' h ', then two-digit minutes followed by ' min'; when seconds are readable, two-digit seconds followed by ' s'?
4 h 35 min
